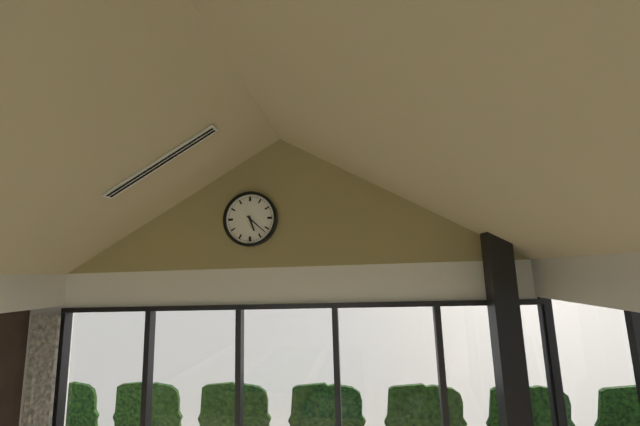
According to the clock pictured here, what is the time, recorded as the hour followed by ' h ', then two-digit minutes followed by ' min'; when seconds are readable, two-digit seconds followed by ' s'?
5 h 22 min
